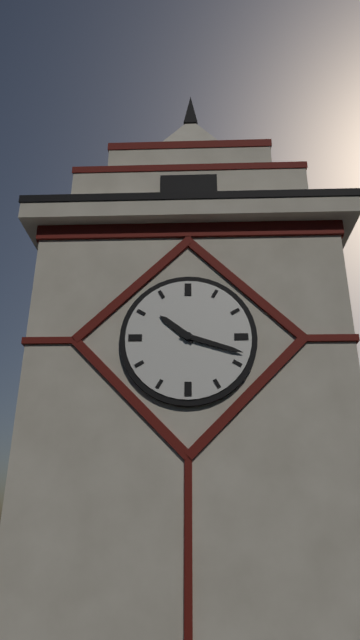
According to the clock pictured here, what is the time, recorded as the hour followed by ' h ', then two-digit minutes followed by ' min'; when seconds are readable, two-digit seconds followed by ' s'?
10 h 18 min
